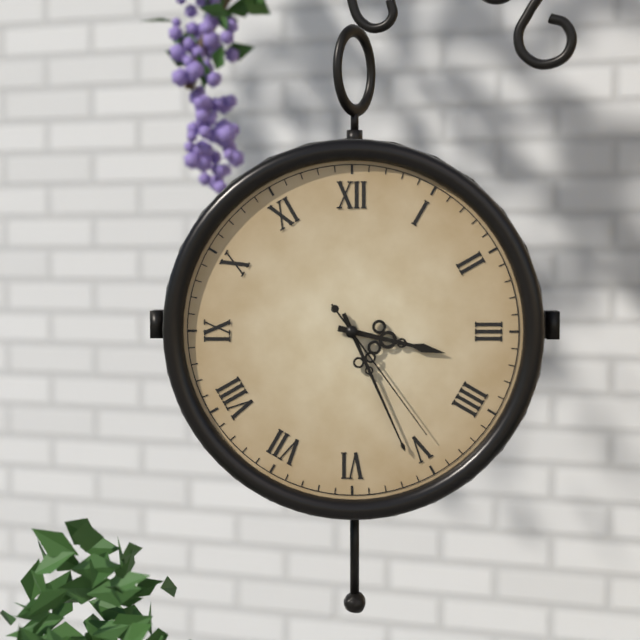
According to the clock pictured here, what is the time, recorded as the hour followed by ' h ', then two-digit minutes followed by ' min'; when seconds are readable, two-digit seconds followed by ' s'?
3 h 26 min 24 s
